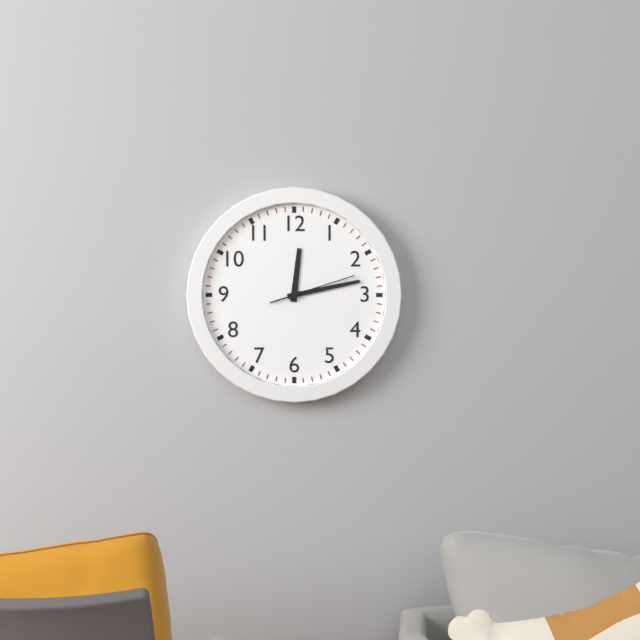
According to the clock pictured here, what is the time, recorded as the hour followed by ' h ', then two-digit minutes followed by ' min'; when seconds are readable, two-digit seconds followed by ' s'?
12 h 13 min 12 s
